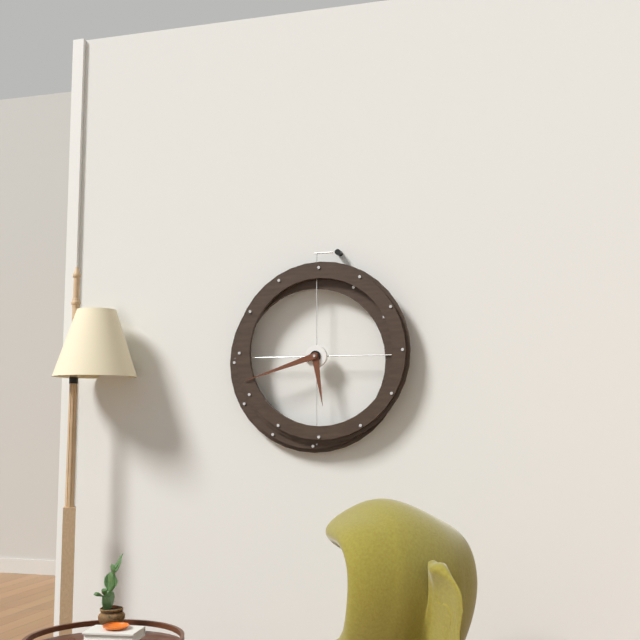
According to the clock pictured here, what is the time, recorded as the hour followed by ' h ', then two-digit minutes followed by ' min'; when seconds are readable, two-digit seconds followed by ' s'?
5 h 42 min
